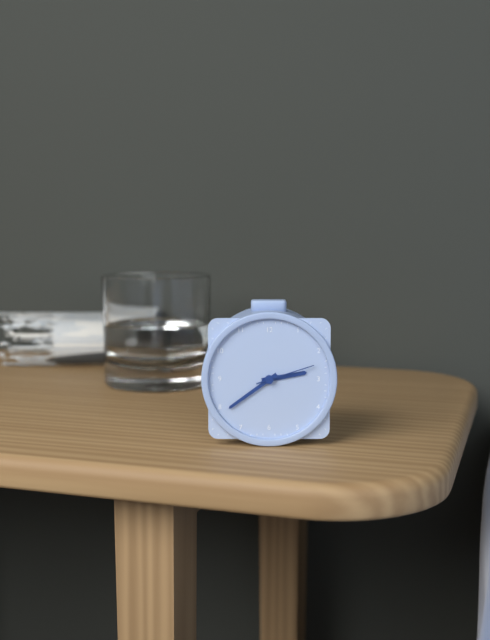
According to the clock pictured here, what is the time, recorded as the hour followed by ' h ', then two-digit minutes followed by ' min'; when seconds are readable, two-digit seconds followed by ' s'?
2 h 39 min 12 s
